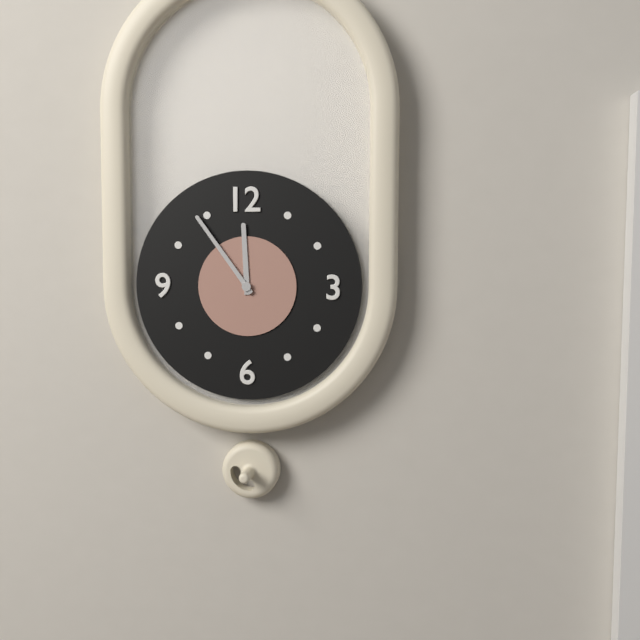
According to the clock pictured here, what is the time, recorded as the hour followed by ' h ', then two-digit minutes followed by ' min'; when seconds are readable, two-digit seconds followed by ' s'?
11 h 54 min
